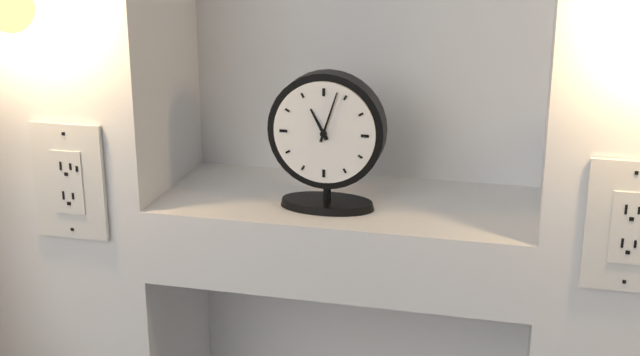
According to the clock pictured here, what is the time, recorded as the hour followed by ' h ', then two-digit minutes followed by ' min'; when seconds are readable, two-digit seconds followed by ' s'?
11 h 03 min
